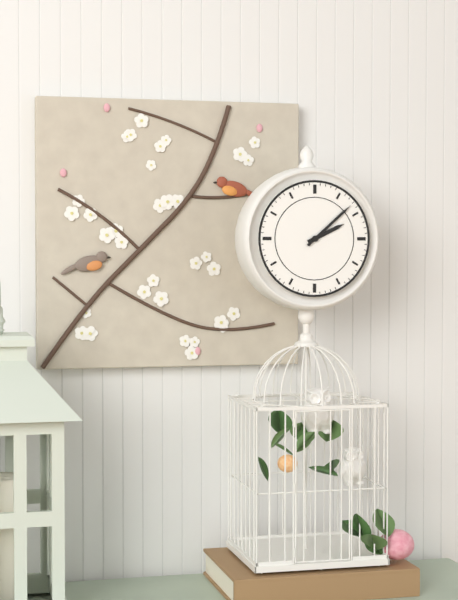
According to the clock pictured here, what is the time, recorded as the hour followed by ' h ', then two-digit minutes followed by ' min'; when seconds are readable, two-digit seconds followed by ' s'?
2 h 08 min
